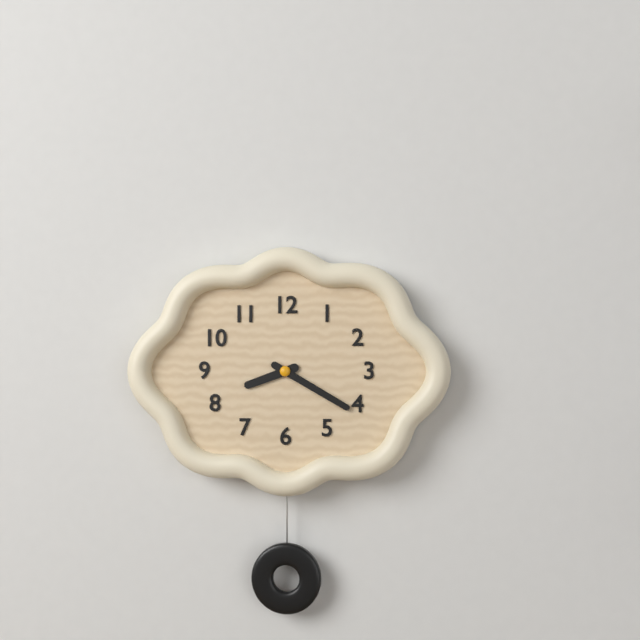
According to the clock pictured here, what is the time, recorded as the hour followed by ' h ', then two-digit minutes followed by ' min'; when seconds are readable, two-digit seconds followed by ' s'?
8 h 20 min
